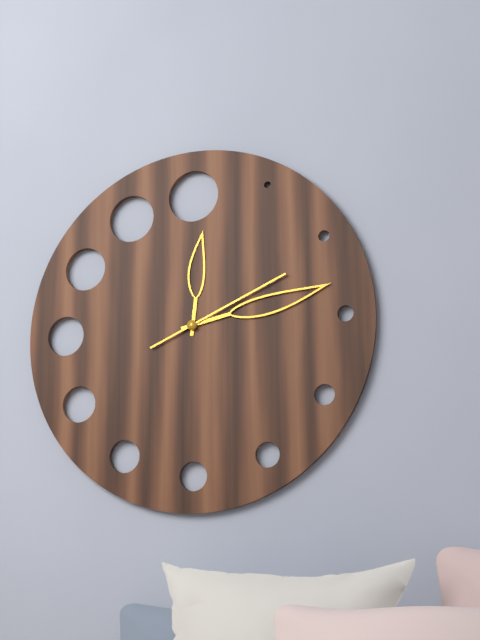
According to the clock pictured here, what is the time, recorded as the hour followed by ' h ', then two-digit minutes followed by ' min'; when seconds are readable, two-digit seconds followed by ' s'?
12 h 13 min 11 s
